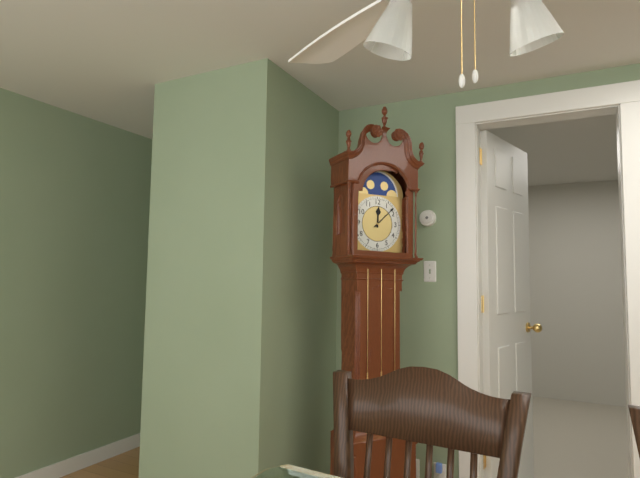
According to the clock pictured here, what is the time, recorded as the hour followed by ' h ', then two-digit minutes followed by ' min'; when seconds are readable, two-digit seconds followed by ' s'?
12 h 08 min
